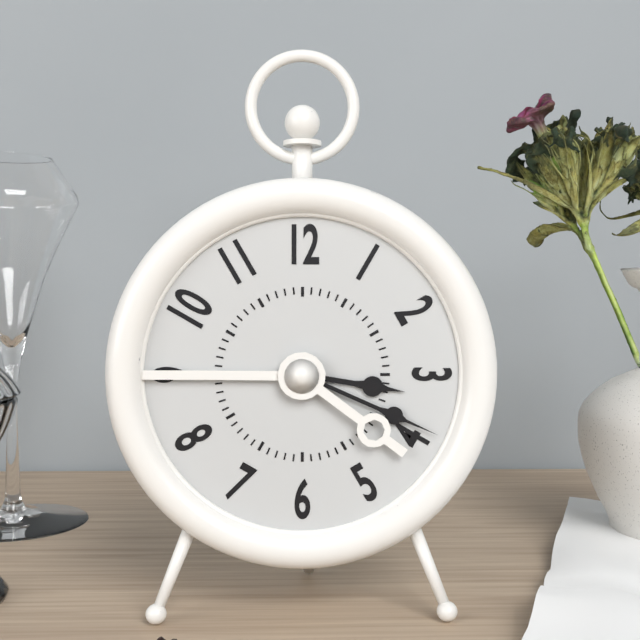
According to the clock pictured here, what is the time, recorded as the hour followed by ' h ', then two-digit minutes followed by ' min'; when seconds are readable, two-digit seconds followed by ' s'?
3 h 19 min
